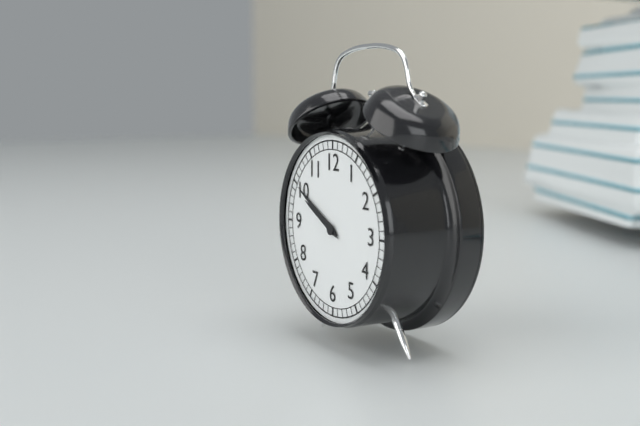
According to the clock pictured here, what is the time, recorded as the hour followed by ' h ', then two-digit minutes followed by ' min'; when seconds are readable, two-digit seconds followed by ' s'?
9 h 50 min
